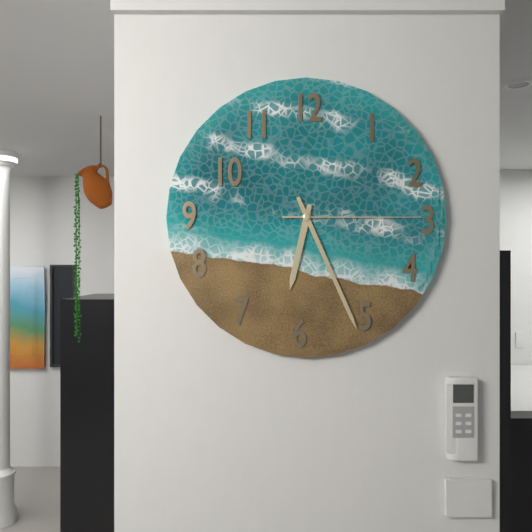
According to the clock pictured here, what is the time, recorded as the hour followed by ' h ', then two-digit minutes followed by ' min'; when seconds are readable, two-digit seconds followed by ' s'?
6 h 26 min 15 s
